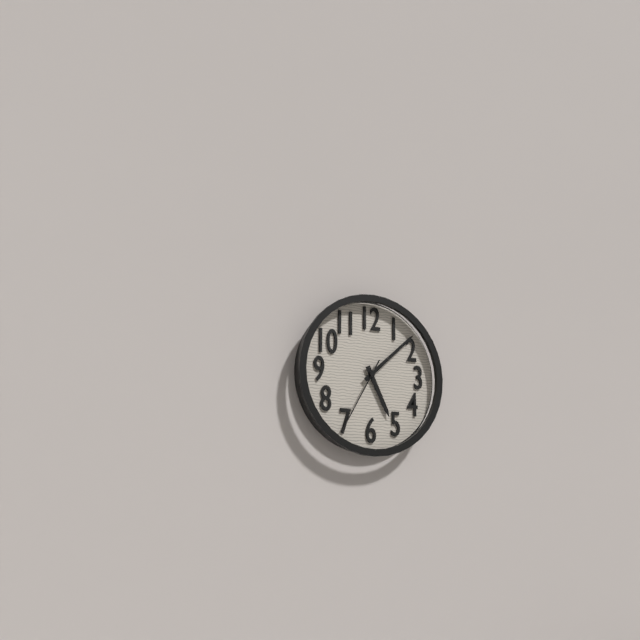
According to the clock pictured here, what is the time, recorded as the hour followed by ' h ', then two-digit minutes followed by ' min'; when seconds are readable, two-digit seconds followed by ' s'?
5 h 08 min 35 s
